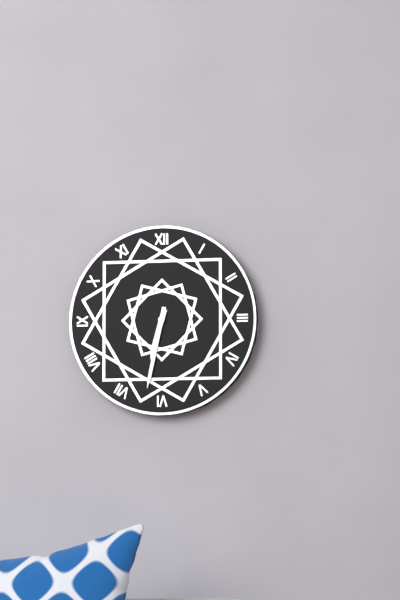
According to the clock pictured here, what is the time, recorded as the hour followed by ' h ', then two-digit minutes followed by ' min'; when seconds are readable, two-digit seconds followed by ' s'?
6 h 32 min
